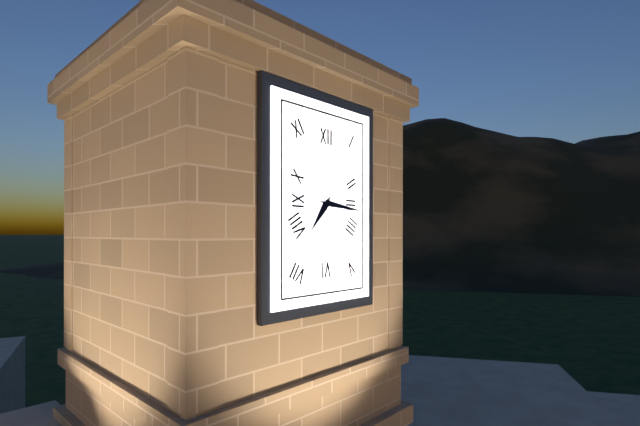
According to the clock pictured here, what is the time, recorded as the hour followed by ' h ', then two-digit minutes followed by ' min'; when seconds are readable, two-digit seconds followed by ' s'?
7 h 16 min
